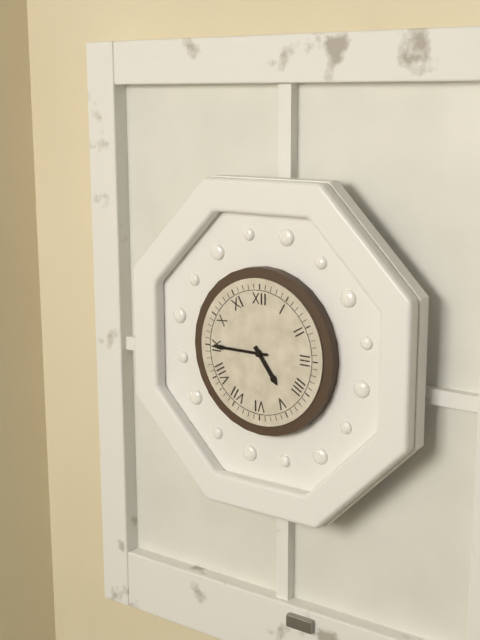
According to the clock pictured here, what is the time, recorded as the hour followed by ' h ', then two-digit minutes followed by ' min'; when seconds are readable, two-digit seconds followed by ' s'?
4 h 45 min
